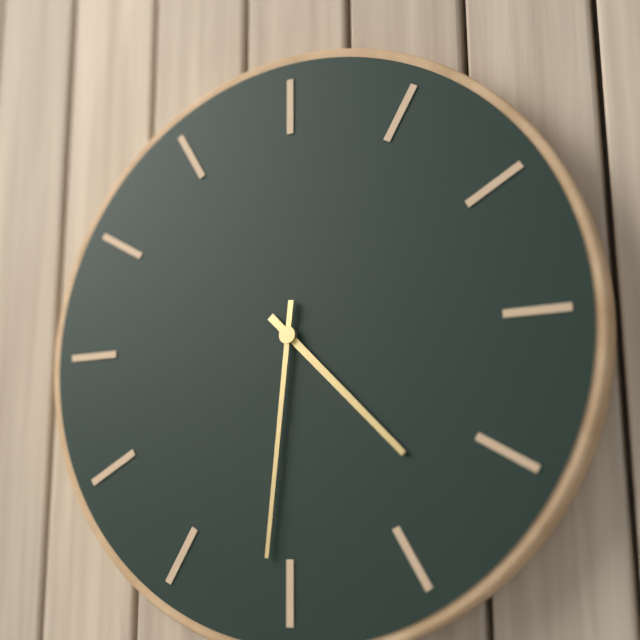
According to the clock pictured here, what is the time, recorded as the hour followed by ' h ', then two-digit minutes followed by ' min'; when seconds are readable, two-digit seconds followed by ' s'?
4 h 31 min
